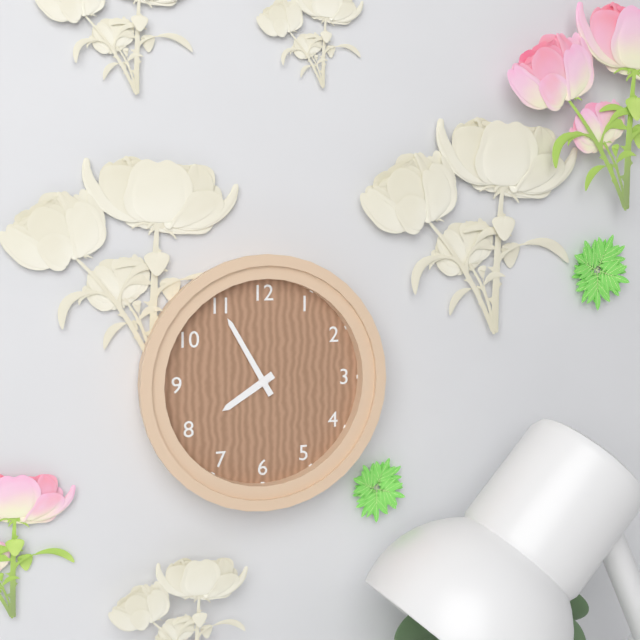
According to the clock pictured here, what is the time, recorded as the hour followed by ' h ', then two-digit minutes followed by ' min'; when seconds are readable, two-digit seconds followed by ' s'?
7 h 55 min
